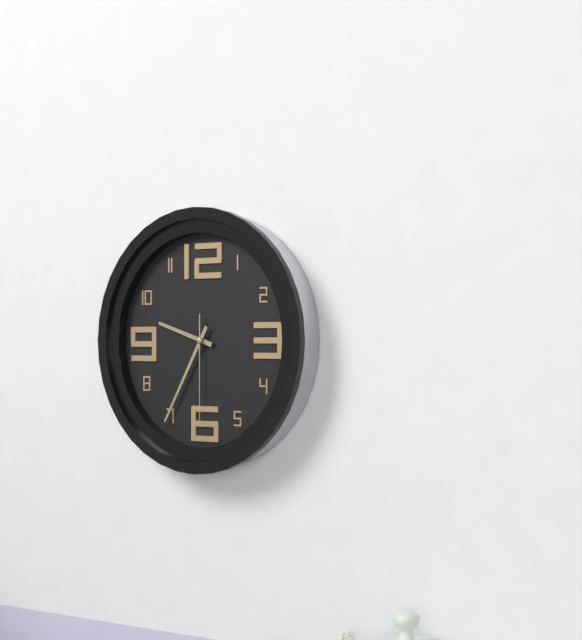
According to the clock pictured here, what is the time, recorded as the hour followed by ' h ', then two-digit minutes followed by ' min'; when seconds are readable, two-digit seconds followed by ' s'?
9 h 35 min 30 s
